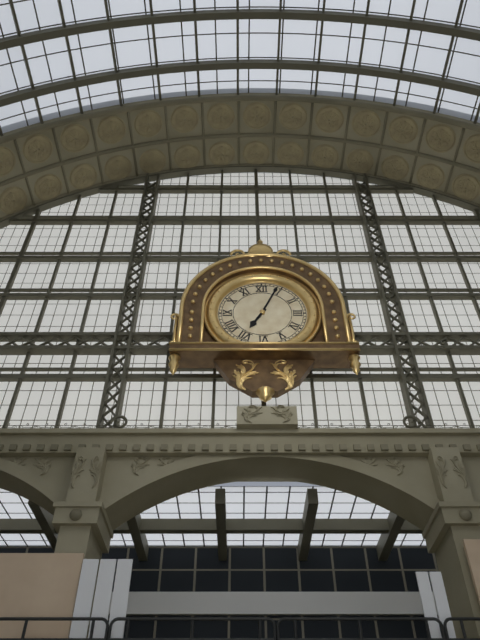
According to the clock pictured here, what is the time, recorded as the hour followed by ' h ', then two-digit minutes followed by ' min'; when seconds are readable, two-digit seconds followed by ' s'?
7 h 04 min
